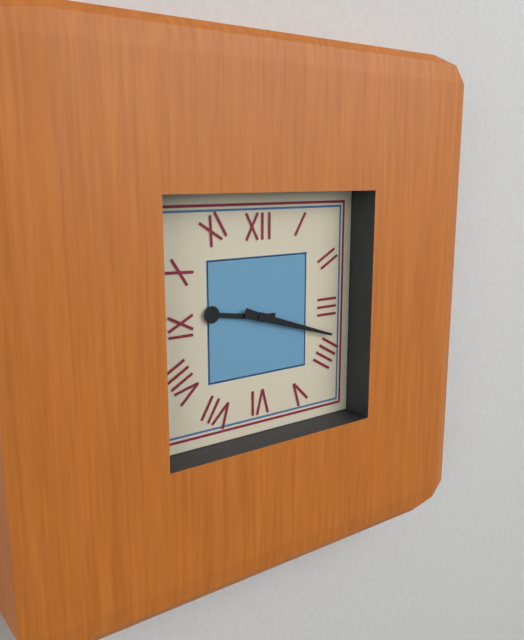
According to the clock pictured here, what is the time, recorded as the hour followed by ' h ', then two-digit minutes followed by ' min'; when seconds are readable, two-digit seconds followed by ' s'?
9 h 18 min
